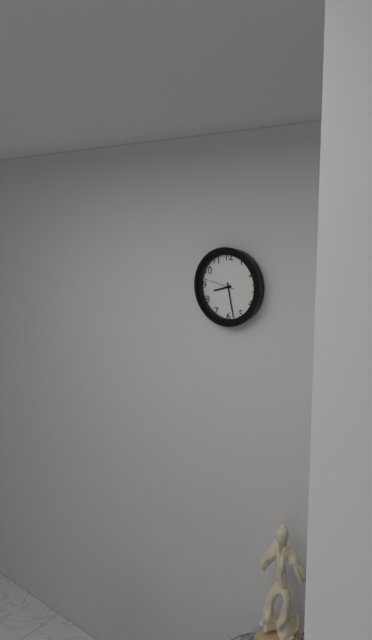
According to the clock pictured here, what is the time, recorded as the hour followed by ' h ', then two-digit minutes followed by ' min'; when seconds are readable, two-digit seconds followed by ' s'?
8 h 28 min
